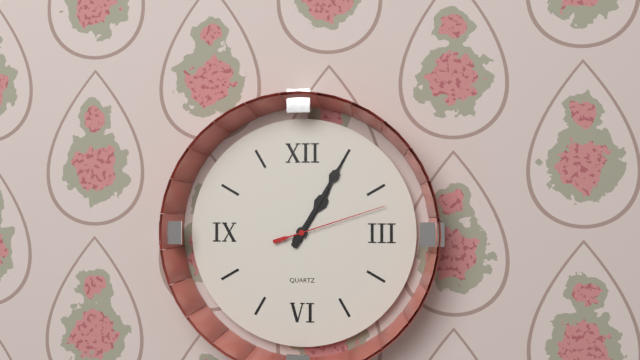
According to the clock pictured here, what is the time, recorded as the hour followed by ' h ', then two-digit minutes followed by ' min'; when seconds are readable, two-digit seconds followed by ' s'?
1 h 05 min 12 s
